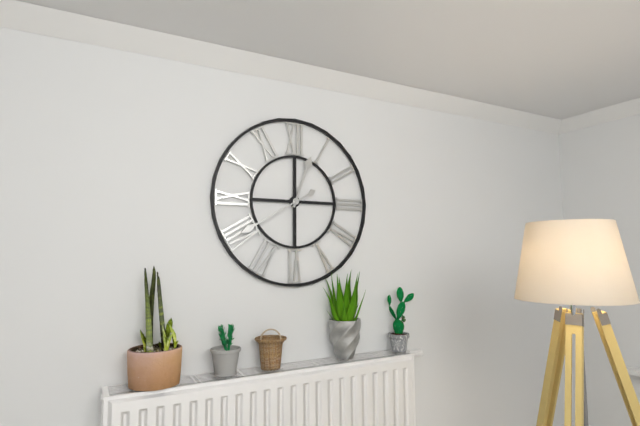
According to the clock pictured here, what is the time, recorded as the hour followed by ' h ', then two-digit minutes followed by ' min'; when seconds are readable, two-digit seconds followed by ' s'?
12 h 40 min
